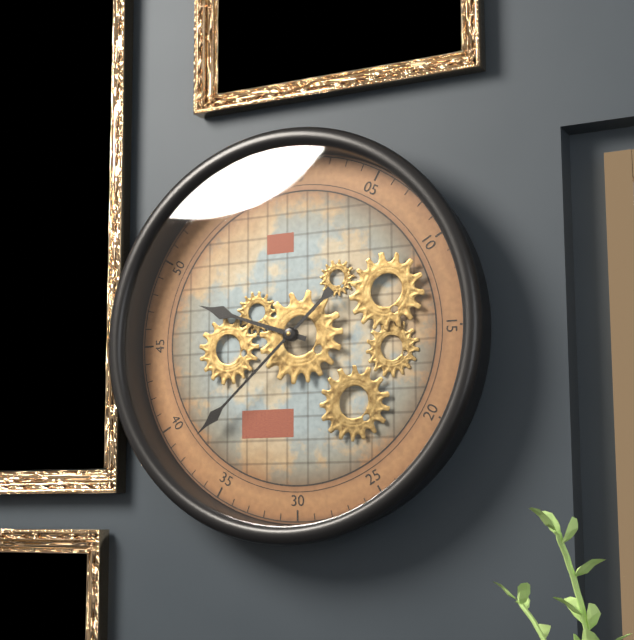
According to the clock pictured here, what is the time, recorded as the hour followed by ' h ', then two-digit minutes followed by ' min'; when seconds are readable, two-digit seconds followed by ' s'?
9 h 38 min
